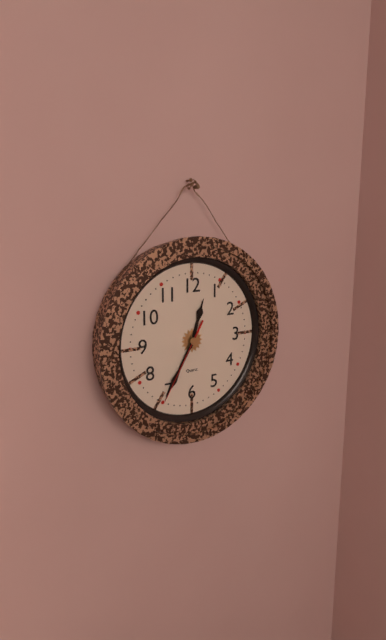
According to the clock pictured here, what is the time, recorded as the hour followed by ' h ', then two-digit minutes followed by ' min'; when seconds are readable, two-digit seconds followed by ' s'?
12 h 35 min 35 s
